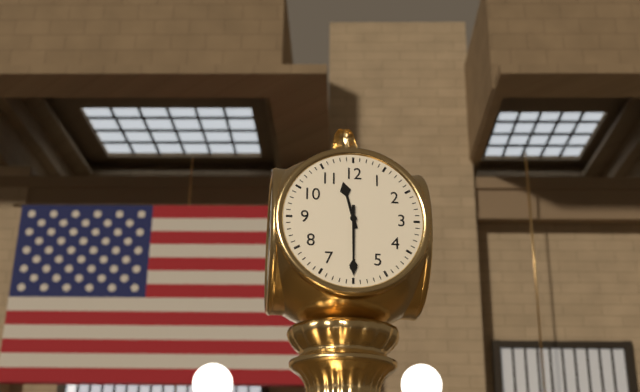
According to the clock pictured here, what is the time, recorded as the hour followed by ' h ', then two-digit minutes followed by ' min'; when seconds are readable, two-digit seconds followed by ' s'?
11 h 30 min
